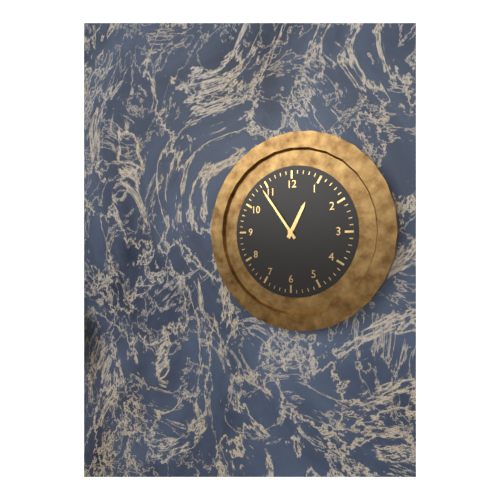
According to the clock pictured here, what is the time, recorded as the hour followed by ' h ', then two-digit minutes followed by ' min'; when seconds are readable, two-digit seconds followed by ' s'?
12 h 54 min
